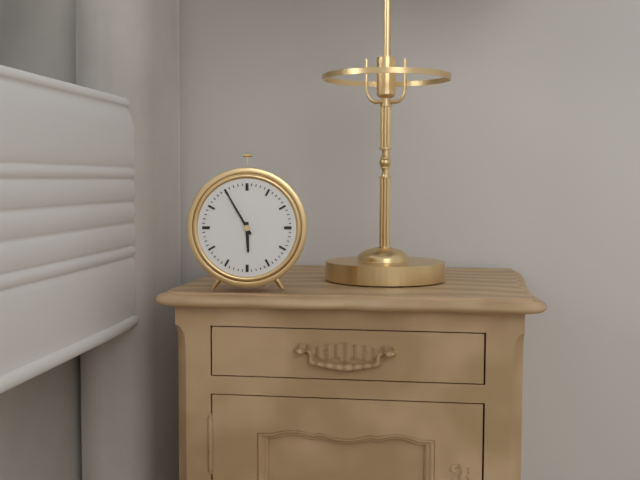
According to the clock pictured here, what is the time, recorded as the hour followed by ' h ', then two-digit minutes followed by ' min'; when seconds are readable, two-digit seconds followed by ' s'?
5 h 55 min
